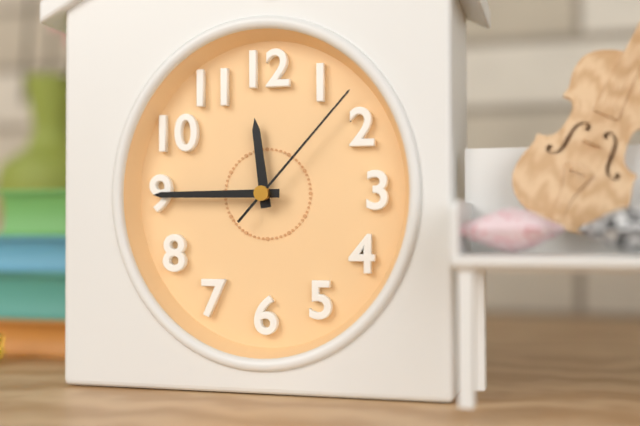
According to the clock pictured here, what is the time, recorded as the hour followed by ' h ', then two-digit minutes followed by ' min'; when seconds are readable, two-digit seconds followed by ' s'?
11 h 45 min 07 s
